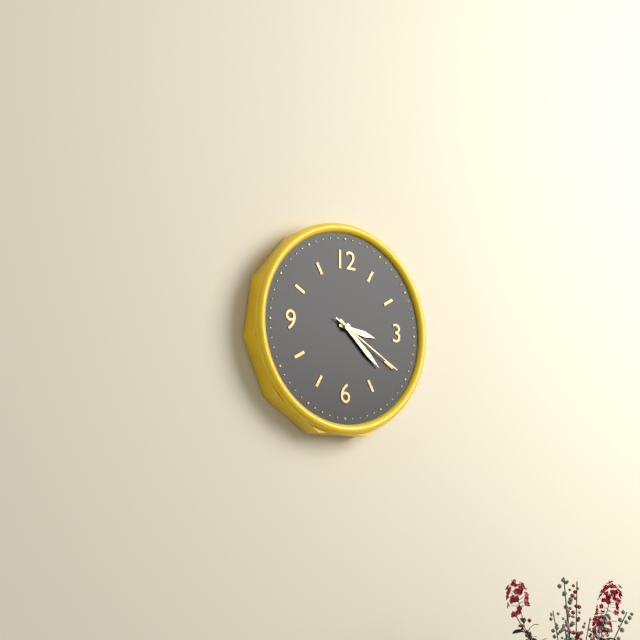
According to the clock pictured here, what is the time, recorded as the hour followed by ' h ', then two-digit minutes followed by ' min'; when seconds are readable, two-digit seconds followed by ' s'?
3 h 22 min 20 s
